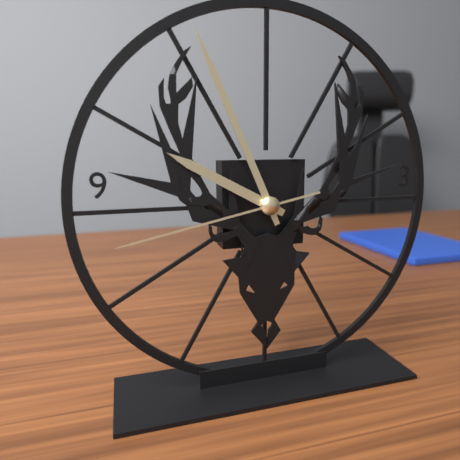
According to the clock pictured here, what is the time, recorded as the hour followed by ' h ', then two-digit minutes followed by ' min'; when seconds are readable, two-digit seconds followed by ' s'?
9 h 56 min 43 s
